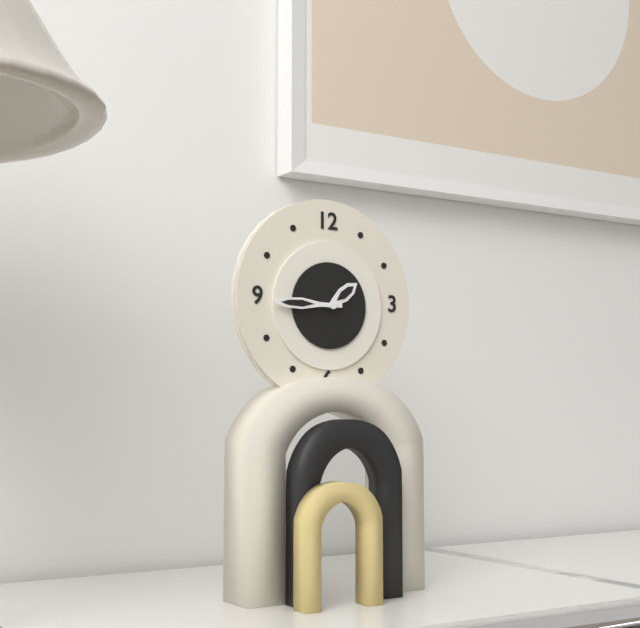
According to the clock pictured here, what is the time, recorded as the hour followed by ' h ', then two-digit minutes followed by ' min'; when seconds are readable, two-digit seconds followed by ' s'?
1 h 45 min
